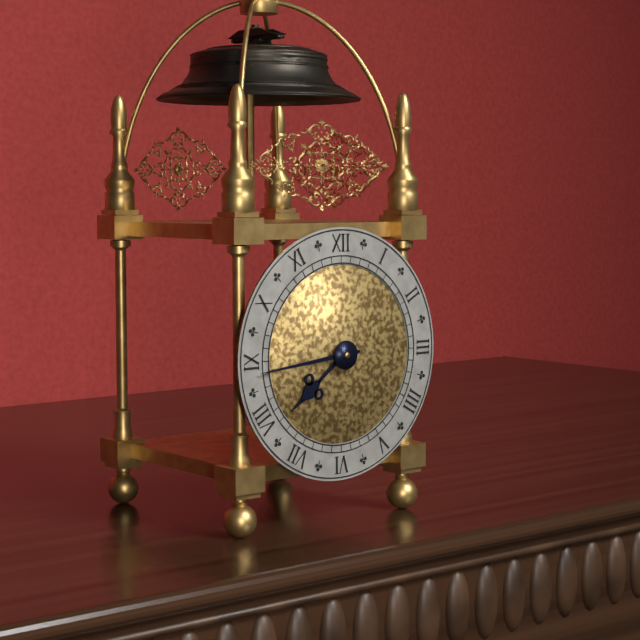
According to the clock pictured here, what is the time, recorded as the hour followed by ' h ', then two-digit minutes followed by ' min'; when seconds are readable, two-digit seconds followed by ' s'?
7 h 44 min
